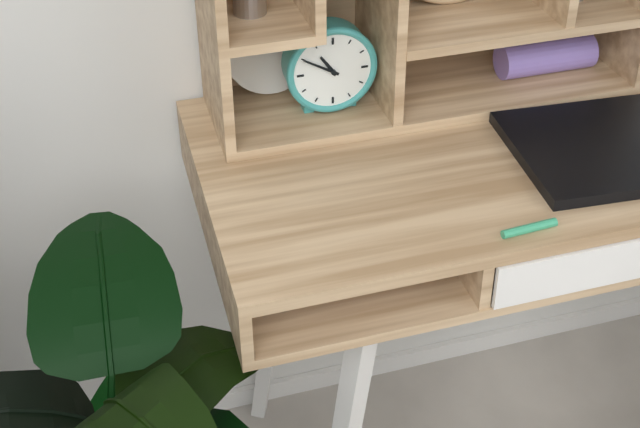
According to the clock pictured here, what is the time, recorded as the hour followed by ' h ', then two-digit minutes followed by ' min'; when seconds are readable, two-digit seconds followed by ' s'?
10 h 50 min
